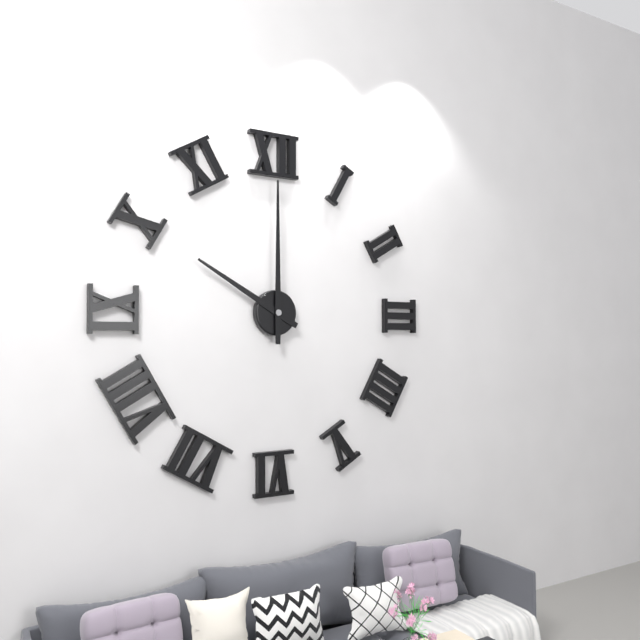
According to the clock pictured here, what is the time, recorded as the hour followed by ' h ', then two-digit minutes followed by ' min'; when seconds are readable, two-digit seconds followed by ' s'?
10 h 00 min
